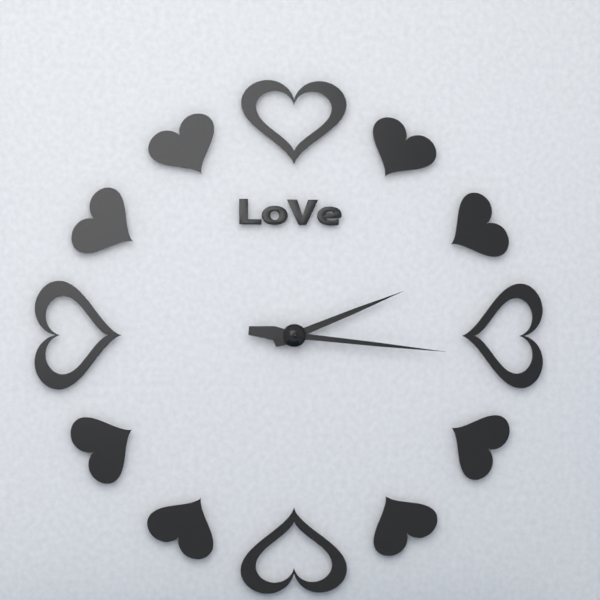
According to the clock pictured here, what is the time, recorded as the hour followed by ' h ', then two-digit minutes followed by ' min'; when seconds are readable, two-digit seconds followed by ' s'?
2 h 16 min
